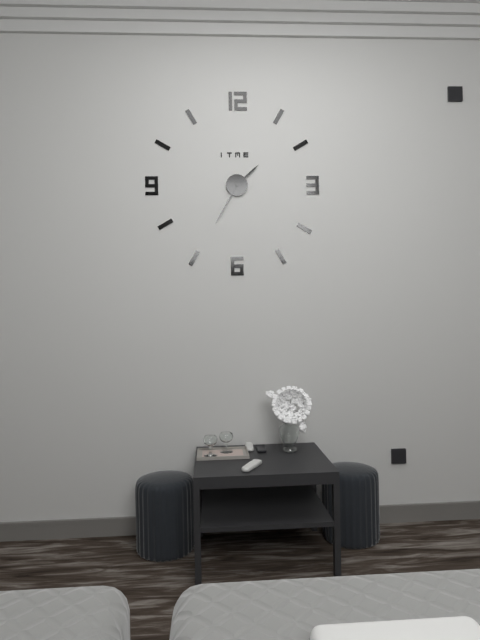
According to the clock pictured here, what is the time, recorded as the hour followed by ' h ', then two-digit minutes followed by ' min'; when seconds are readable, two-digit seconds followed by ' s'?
1 h 35 min
